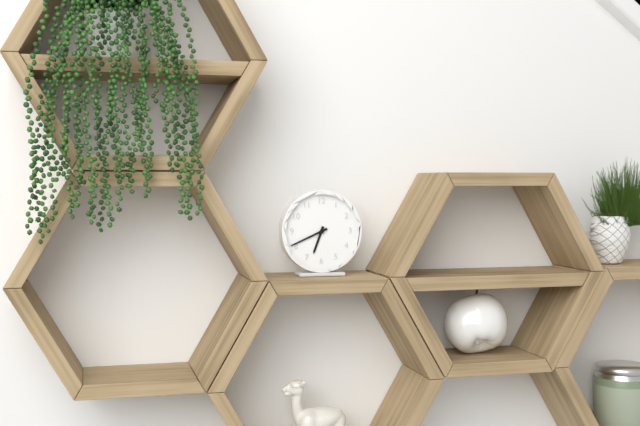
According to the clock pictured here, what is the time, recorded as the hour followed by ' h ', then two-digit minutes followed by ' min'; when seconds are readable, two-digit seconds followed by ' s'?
6 h 41 min
